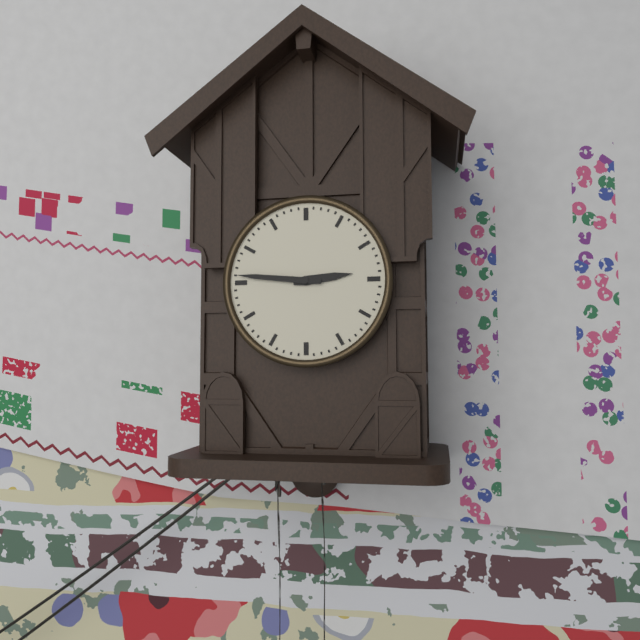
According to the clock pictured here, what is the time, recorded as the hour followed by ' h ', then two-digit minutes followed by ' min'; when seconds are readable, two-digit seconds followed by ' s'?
2 h 46 min
